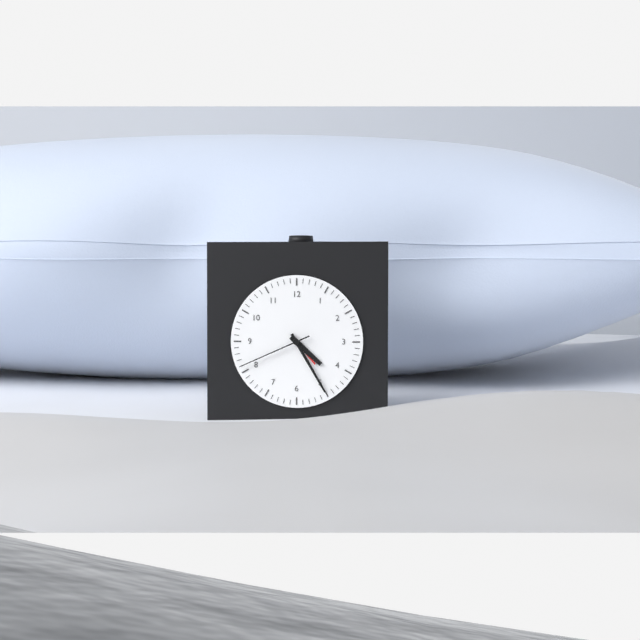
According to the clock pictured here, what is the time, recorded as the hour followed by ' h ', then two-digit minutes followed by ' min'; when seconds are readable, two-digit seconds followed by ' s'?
4 h 25 min 41 s
